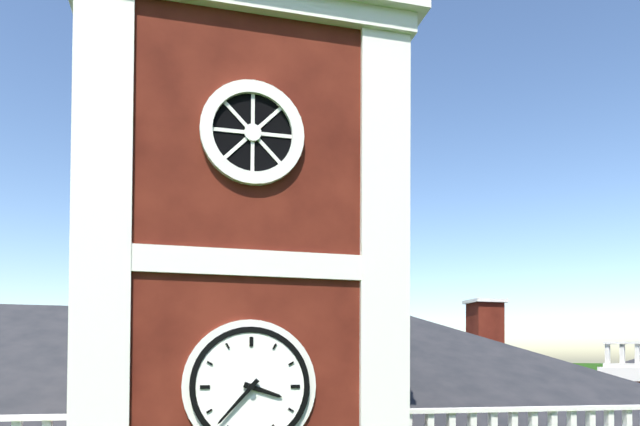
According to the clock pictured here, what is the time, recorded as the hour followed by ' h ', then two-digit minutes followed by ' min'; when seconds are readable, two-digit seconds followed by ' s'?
3 h 37 min
